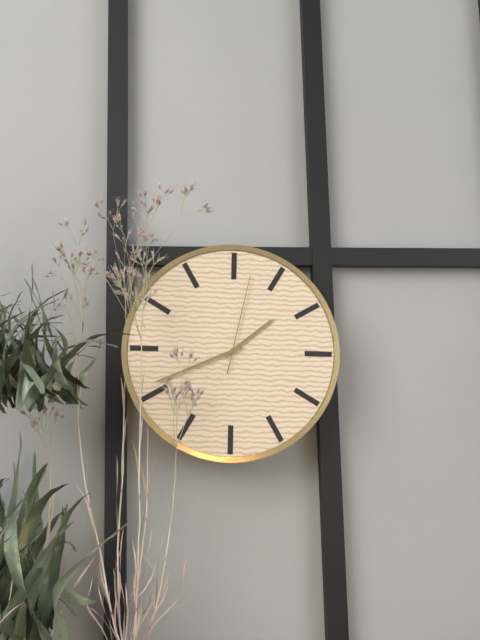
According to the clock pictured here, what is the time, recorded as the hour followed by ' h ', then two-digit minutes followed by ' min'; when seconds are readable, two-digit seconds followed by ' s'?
1 h 41 min 02 s
